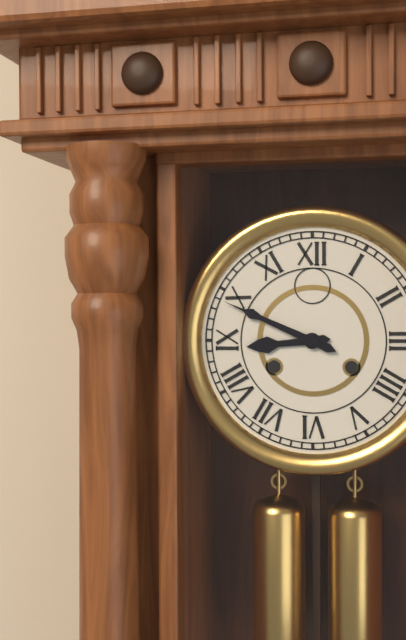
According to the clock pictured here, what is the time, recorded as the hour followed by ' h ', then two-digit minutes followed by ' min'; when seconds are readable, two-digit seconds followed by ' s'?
8 h 49 min
